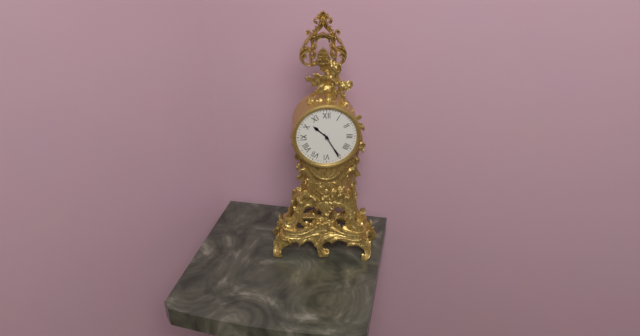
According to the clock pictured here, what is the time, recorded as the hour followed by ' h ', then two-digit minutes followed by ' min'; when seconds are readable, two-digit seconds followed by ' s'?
10 h 25 min
